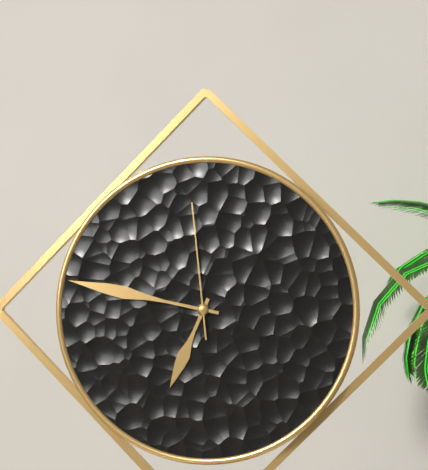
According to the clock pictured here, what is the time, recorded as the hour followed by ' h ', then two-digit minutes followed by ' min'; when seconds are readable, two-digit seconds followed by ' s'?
6 h 47 min 59 s
